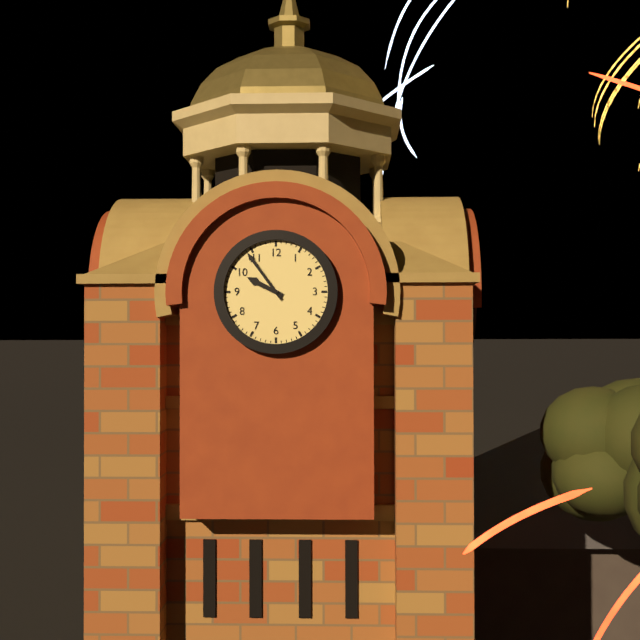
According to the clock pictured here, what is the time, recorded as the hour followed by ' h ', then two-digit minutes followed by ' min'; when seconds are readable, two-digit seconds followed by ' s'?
9 h 54 min
